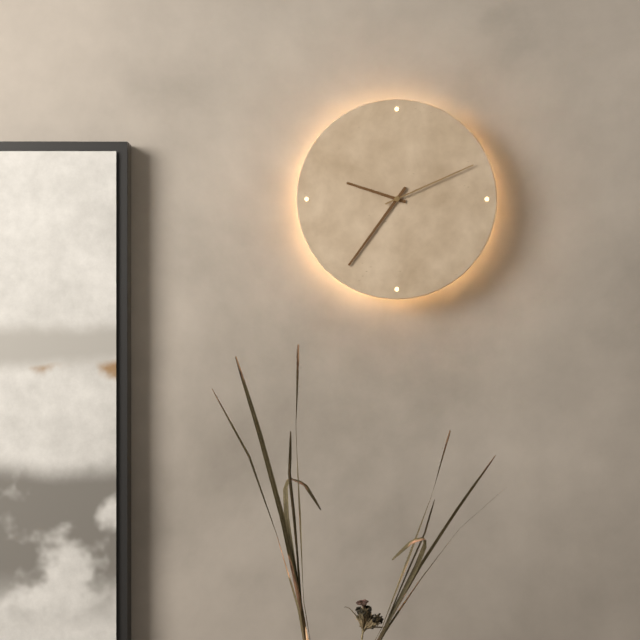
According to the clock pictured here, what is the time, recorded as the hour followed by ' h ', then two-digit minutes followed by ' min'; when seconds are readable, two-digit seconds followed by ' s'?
9 h 36 min 11 s
